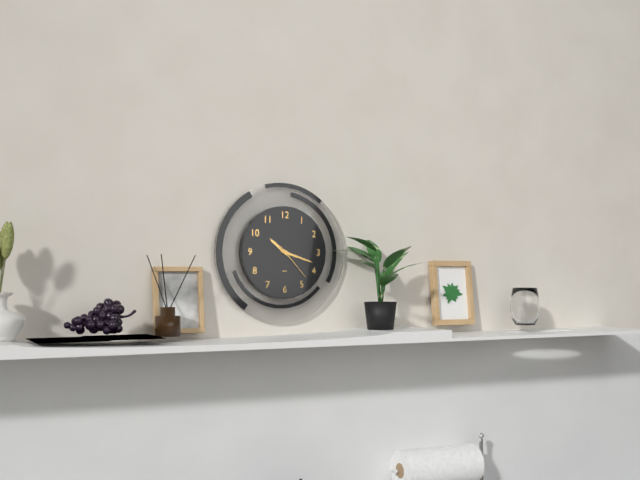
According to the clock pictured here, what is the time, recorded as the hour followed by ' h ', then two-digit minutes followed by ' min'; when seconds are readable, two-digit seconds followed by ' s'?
10 h 18 min
